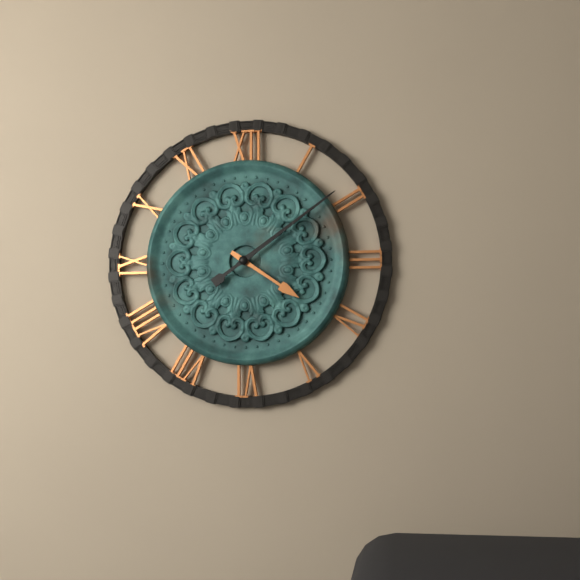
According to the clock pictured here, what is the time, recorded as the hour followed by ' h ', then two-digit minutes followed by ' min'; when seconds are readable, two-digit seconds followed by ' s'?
4 h 09 min
